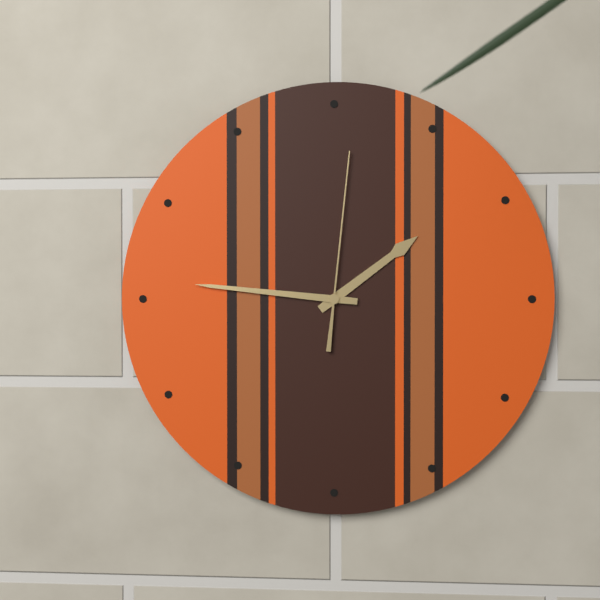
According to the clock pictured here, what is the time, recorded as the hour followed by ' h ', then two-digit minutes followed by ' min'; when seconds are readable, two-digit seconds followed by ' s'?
1 h 46 min 01 s
